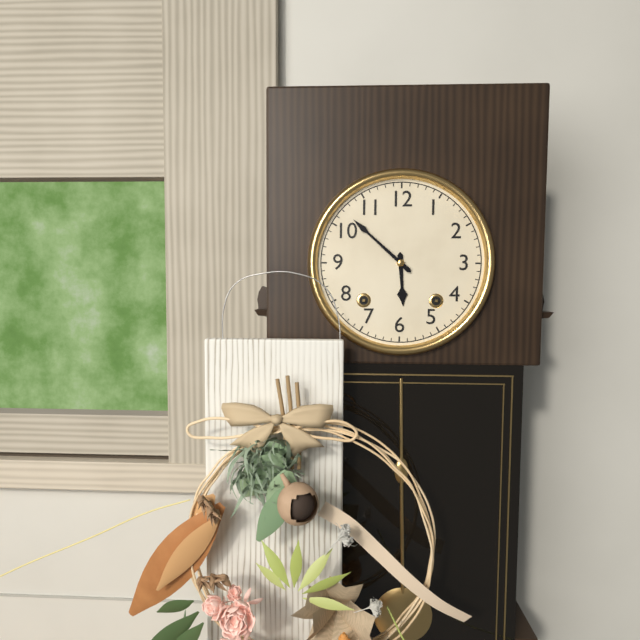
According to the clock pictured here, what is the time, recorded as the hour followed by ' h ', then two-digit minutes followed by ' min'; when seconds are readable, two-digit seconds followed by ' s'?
5 h 52 min
